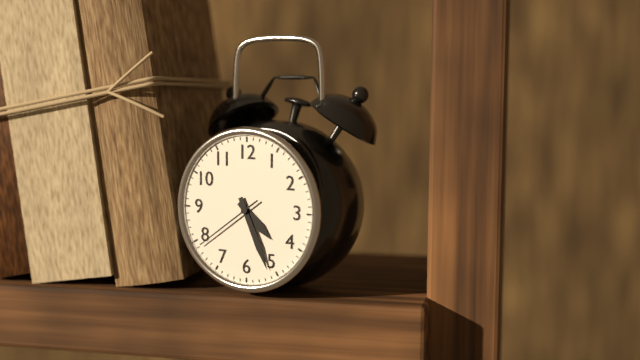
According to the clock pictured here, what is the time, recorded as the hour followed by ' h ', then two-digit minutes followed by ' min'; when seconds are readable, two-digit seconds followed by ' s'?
4 h 26 min 39 s
